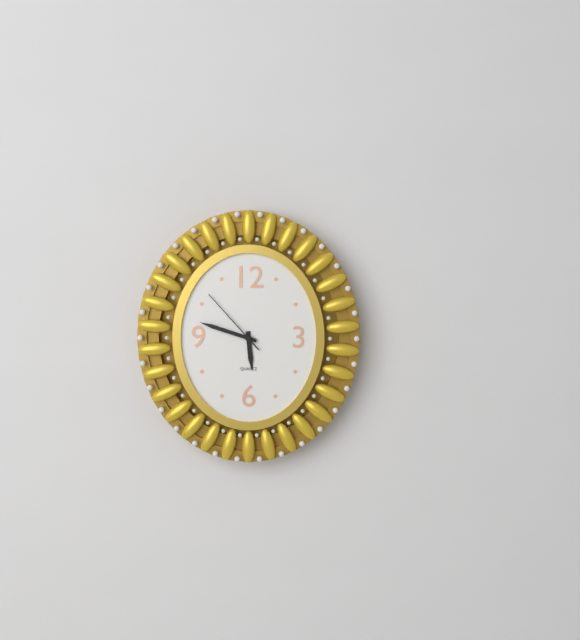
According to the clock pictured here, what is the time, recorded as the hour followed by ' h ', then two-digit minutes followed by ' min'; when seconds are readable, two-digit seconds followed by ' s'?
5 h 48 min 53 s
